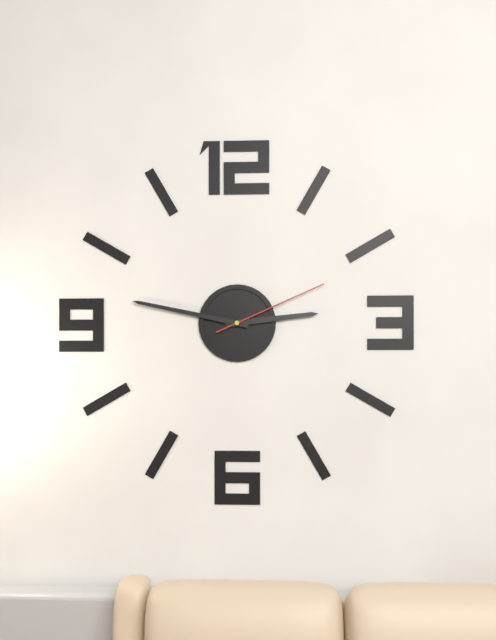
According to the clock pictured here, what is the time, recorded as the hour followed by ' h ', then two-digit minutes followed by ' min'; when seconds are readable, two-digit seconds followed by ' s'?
2 h 47 min 11 s
